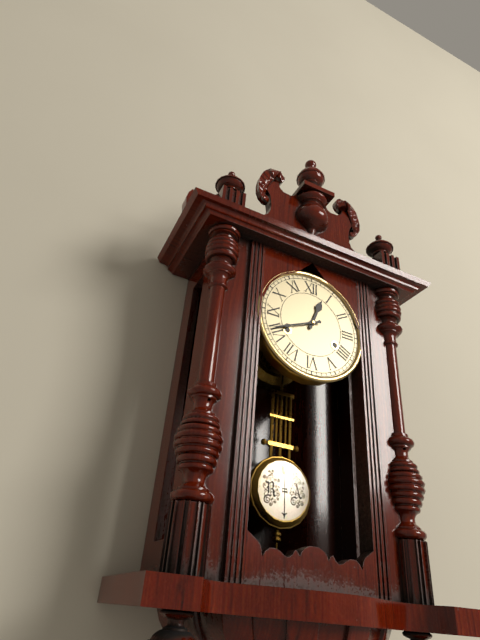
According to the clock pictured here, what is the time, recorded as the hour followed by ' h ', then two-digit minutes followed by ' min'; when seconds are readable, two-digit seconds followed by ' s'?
12 h 41 min
